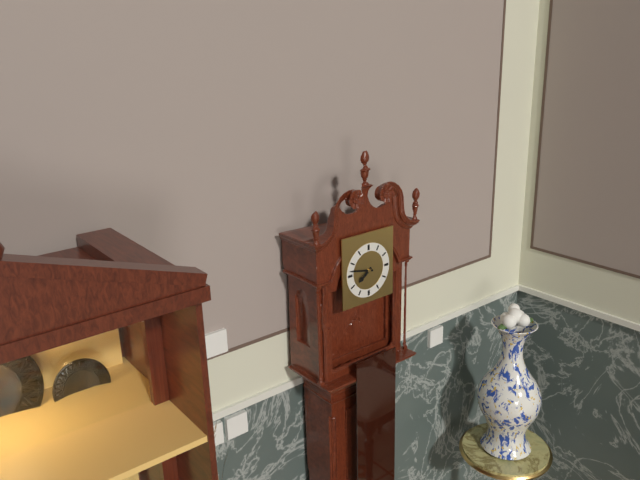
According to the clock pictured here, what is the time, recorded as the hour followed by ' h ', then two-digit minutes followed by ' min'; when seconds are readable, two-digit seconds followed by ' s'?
7 h 47 min
